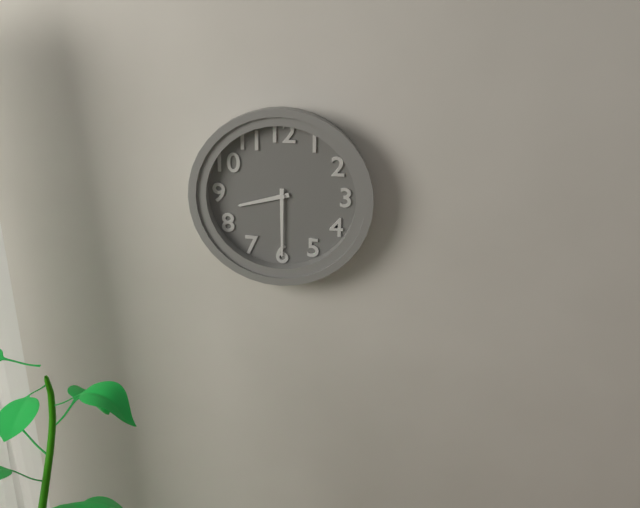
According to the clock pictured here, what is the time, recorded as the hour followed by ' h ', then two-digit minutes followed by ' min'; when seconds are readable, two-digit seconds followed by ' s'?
8 h 30 min
